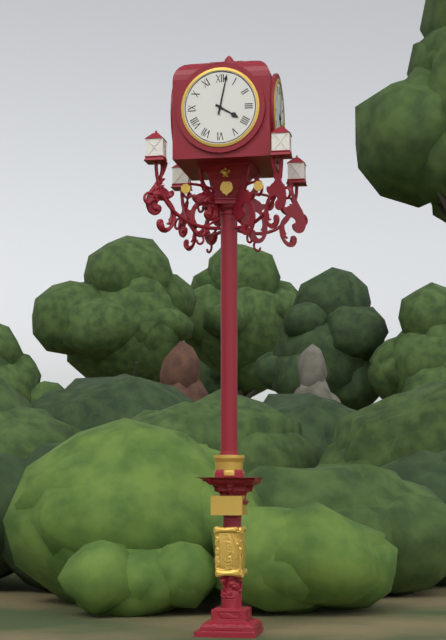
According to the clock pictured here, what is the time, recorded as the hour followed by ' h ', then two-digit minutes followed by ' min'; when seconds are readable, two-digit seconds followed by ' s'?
4 h 02 min
